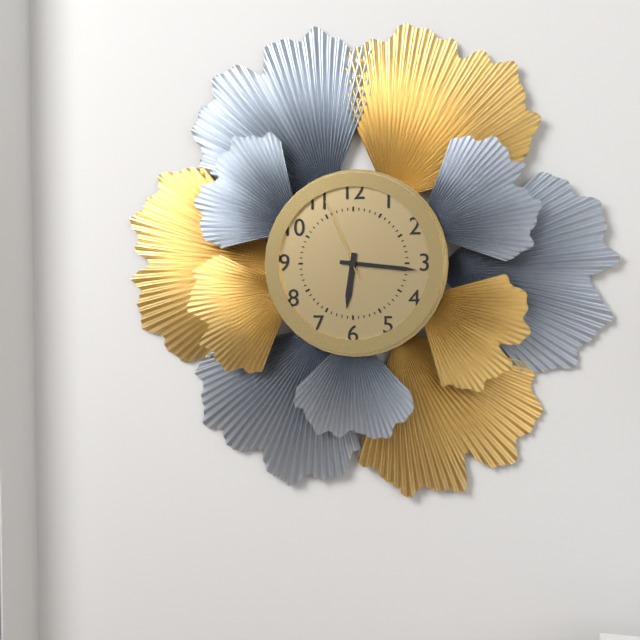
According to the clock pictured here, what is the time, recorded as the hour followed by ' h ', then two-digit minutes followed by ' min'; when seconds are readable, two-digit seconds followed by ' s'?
6 h 16 min 56 s
